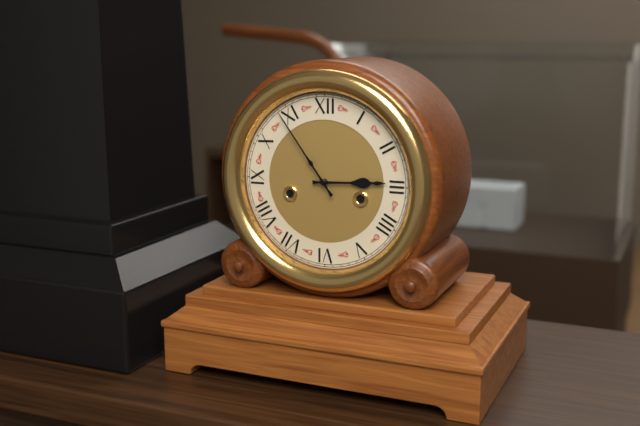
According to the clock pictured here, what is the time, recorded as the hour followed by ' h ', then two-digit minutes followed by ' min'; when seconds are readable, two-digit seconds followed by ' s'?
2 h 54 min
